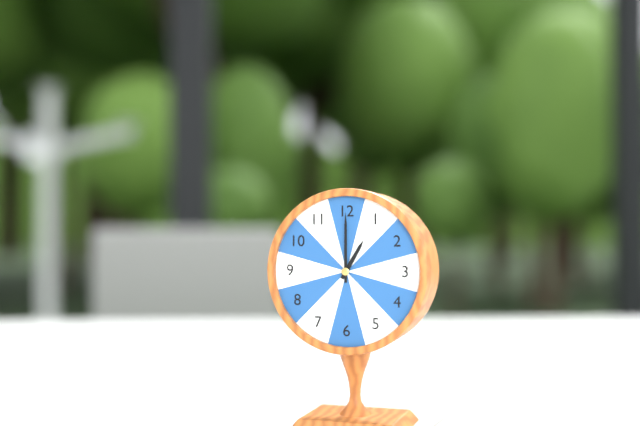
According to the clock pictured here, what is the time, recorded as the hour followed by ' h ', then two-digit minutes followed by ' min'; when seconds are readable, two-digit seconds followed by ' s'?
1 h 00 min
